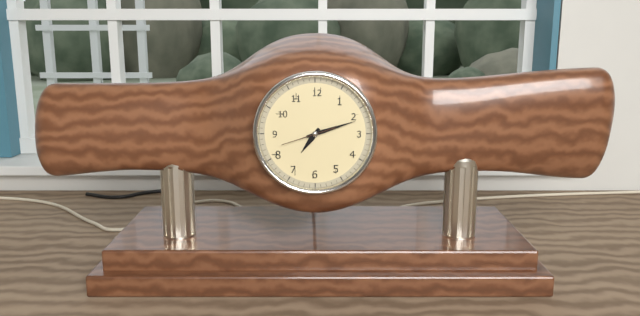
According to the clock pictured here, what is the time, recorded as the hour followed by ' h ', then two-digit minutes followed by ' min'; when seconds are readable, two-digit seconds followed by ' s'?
7 h 12 min
